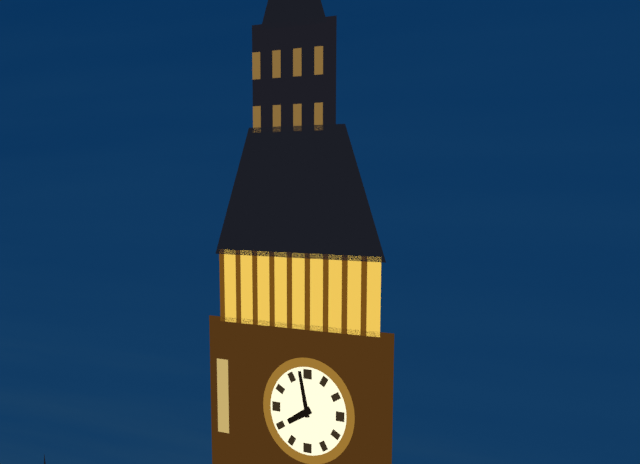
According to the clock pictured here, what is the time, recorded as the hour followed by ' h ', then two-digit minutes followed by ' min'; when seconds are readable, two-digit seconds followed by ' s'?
7 h 58 min
